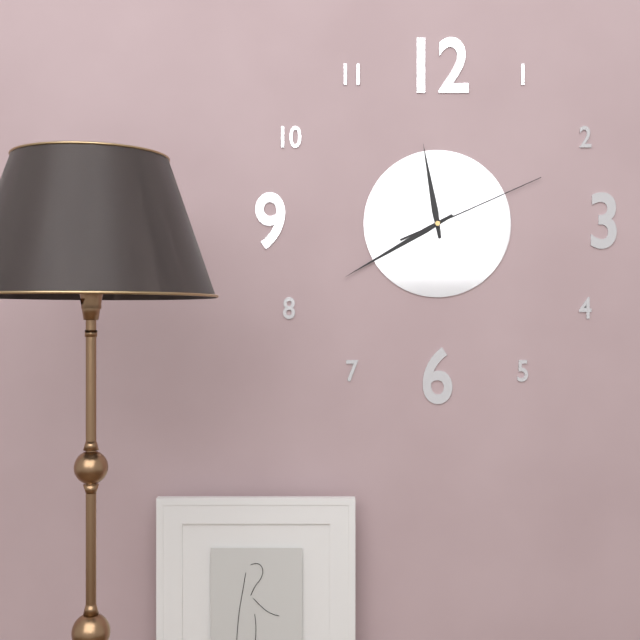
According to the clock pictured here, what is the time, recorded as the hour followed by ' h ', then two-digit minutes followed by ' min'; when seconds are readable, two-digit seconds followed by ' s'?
11 h 40 min 11 s
